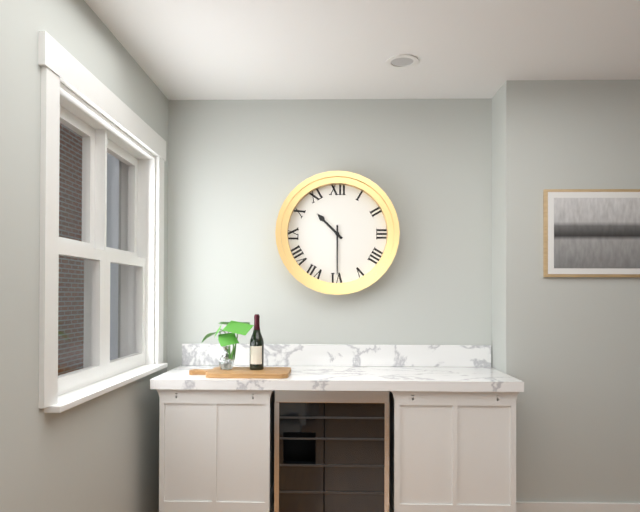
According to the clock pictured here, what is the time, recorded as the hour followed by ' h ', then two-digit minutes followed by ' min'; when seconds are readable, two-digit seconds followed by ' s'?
10 h 30 min
